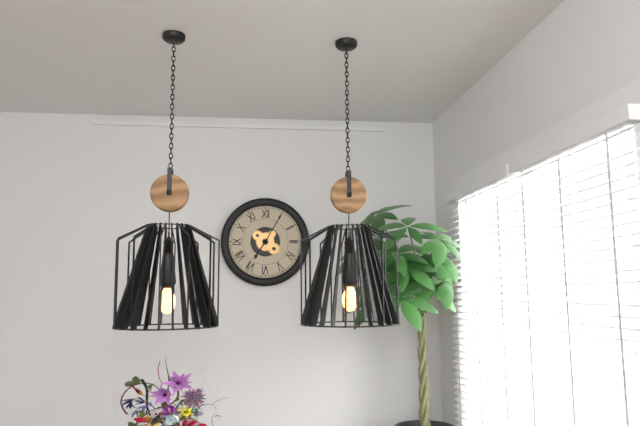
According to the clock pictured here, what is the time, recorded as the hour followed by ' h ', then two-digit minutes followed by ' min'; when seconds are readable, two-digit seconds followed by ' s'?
7 h 05 min
